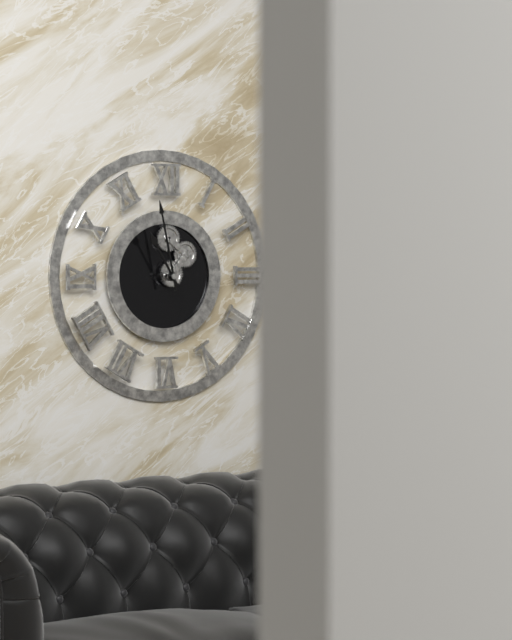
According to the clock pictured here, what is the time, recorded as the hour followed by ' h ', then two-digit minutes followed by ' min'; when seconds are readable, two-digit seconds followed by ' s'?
10 h 58 min
